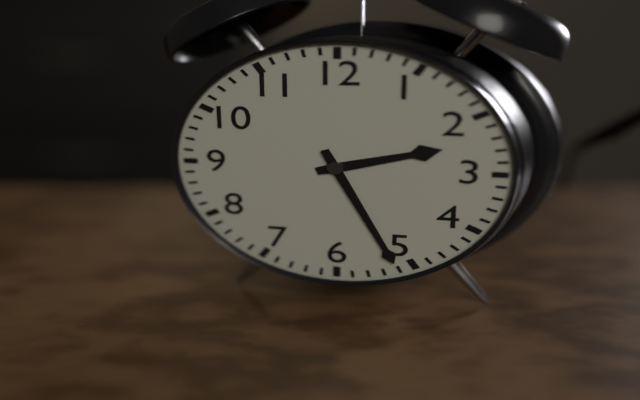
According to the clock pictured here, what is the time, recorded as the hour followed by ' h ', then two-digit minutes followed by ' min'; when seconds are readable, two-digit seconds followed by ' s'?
2 h 26 min
